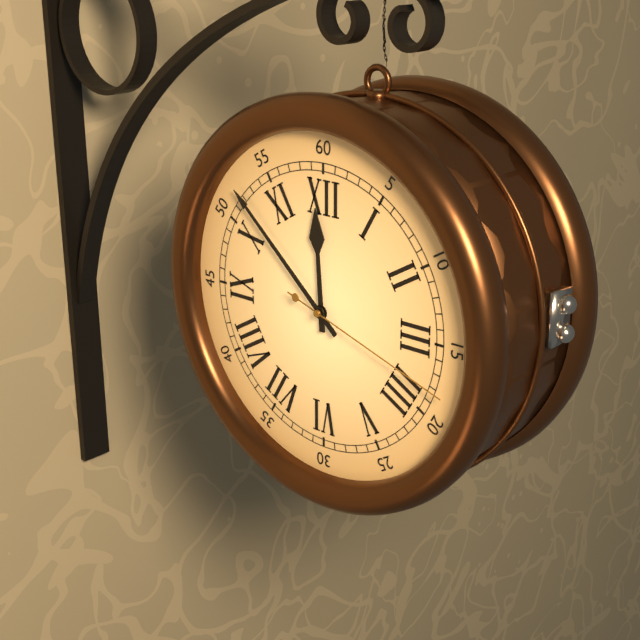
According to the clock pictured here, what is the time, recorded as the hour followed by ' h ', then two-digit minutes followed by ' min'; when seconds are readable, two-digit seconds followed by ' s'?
11 h 52 min 18 s
